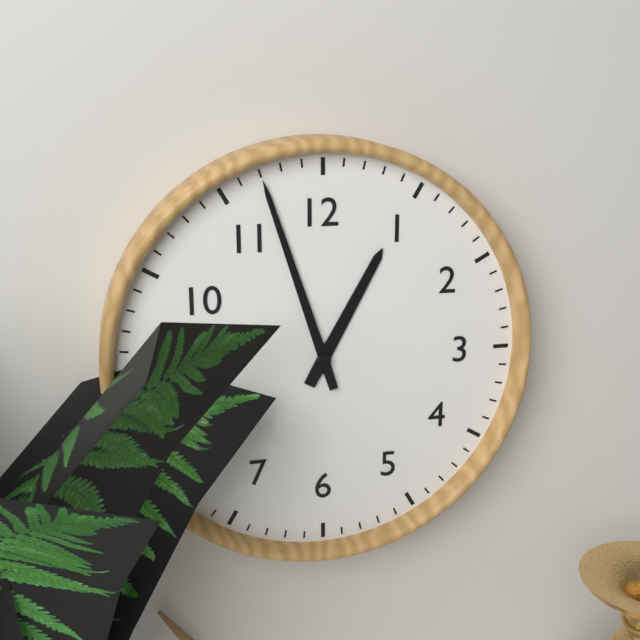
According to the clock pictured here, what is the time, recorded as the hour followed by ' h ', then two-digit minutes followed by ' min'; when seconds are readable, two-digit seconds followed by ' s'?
12 h 57 min
